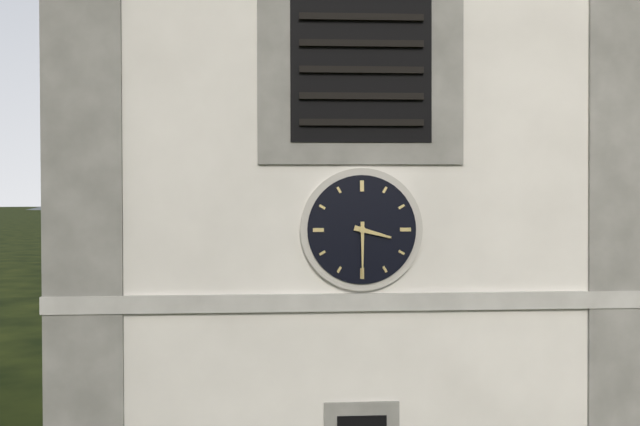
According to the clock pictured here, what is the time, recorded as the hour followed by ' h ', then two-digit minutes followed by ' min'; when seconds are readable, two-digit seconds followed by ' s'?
3 h 30 min
